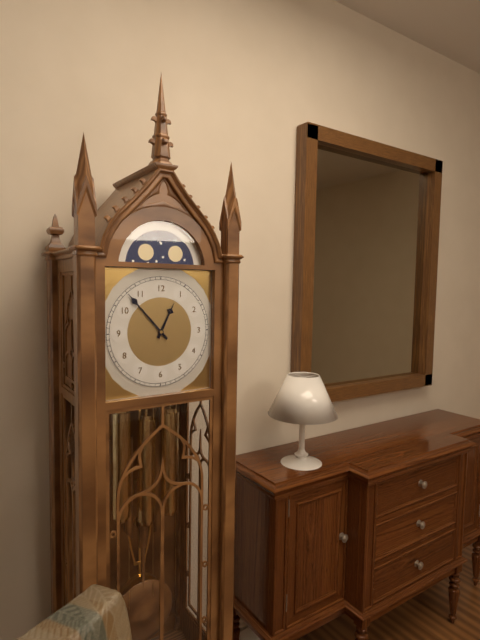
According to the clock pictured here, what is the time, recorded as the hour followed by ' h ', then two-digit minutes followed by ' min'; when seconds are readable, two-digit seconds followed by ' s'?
12 h 53 min
